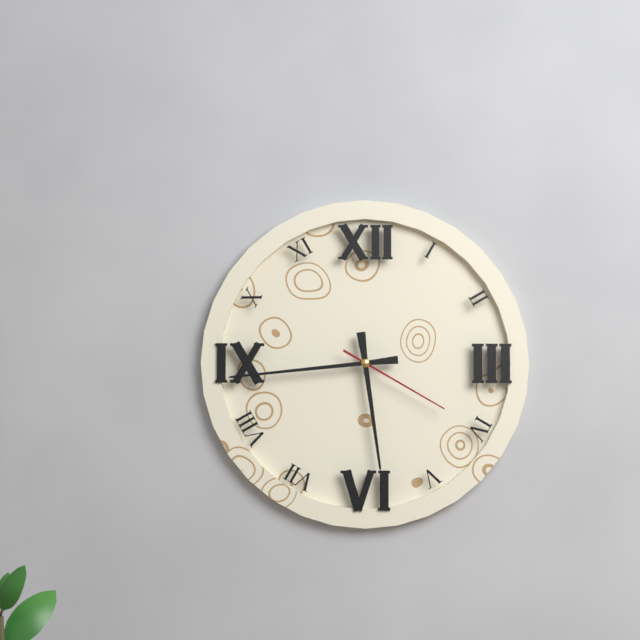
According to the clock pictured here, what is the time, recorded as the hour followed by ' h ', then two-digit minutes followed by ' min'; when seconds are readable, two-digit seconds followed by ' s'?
5 h 44 min 20 s
